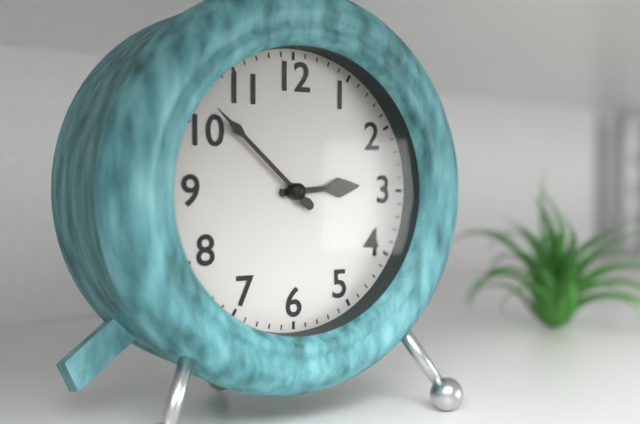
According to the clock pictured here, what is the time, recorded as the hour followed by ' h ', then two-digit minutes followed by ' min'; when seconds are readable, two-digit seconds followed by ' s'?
2 h 52 min
